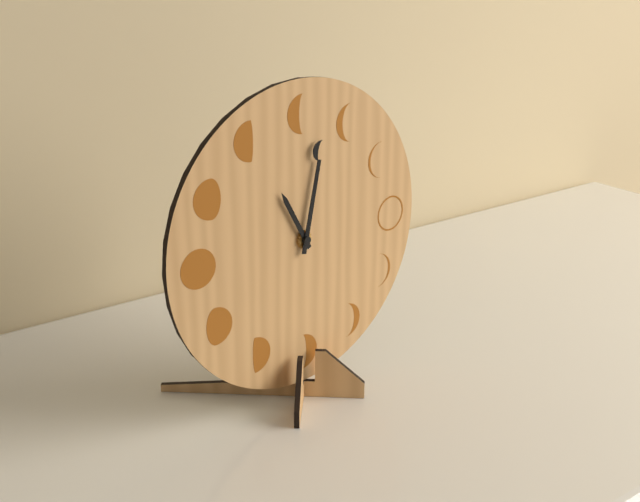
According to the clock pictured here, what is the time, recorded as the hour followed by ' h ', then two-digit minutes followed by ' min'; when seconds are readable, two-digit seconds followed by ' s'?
11 h 02 min
